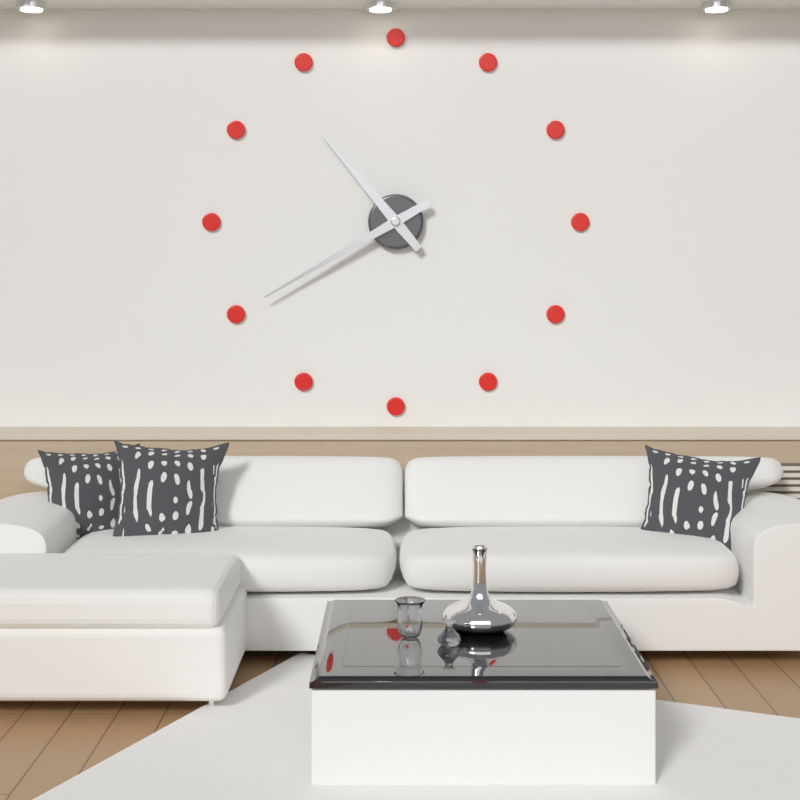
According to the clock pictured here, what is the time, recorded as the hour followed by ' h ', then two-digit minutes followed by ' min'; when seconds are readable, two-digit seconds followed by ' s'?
10 h 40 min
